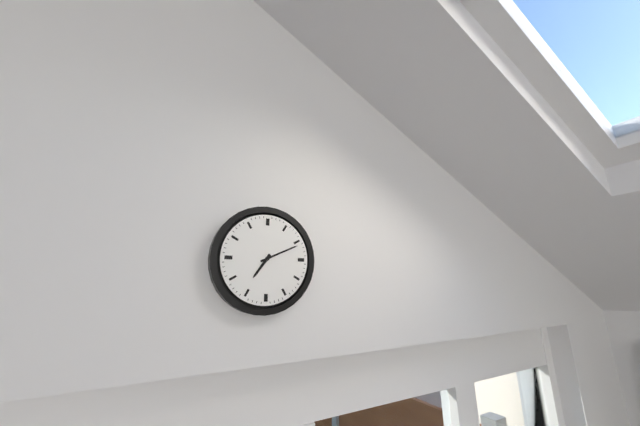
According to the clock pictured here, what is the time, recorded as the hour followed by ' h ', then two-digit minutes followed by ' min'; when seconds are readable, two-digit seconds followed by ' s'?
7 h 11 min
